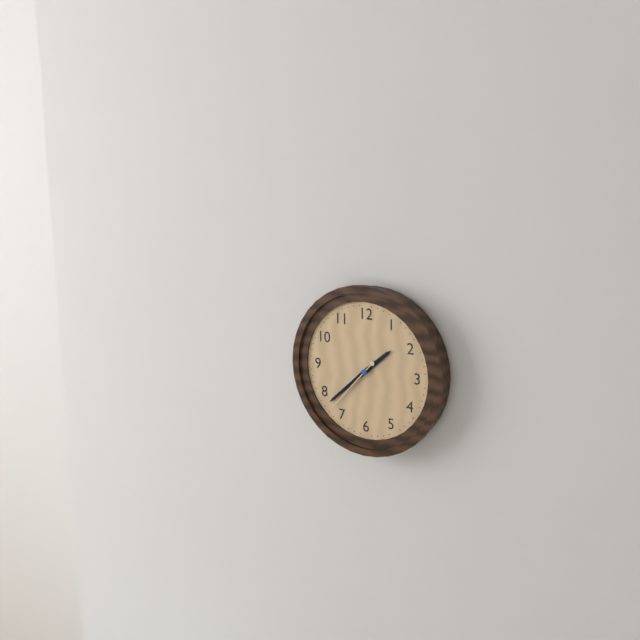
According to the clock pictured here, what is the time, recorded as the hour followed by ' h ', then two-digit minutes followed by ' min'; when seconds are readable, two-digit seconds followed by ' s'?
1 h 38 min 37 s
